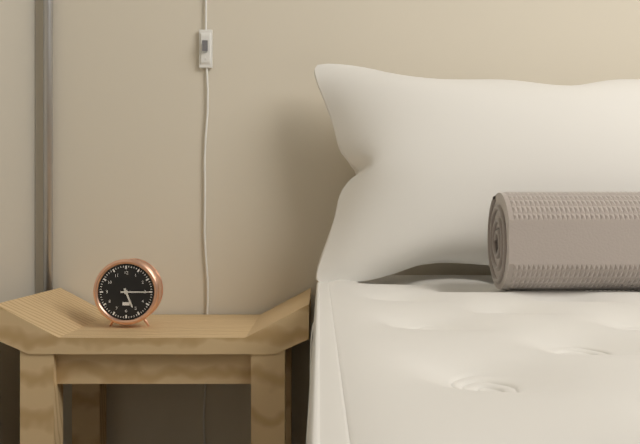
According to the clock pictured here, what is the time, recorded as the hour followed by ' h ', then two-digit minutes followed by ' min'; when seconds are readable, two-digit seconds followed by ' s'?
5 h 15 min
